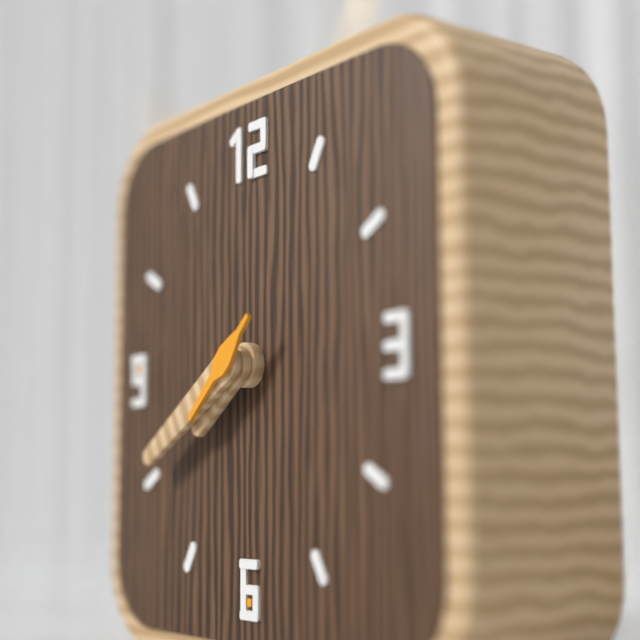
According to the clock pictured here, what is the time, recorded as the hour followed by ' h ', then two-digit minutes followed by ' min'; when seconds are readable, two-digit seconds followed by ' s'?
7 h 40 min 38 s
